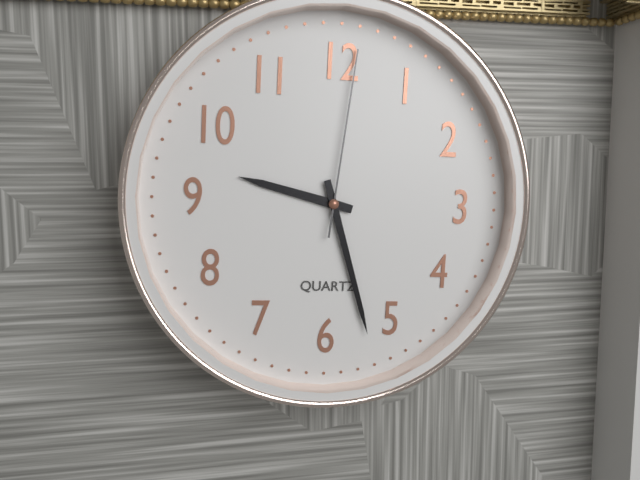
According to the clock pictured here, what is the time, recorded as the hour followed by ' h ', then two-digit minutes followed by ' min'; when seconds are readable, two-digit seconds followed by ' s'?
9 h 27 min 01 s
